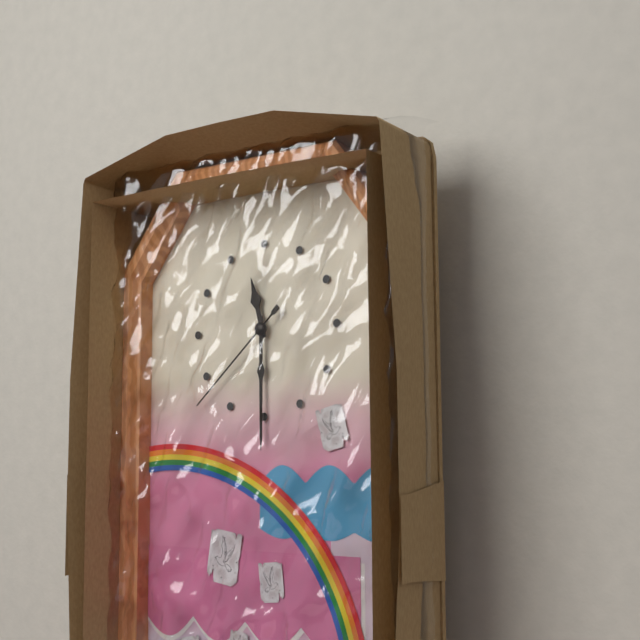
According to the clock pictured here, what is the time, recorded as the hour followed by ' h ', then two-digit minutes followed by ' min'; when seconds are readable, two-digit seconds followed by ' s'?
11 h 30 min 38 s
